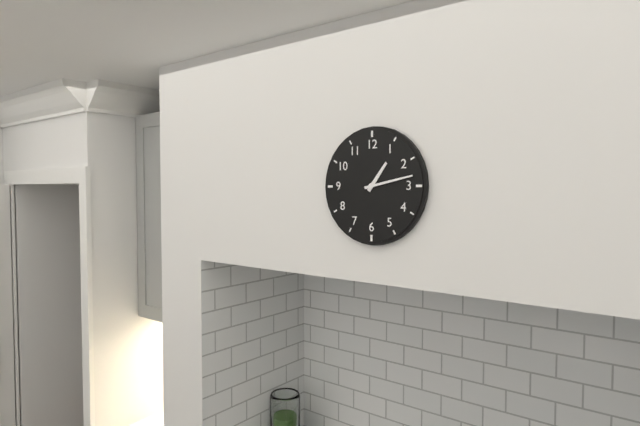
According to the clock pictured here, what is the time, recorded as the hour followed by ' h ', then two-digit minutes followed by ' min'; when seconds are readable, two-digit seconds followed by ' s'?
1 h 13 min
